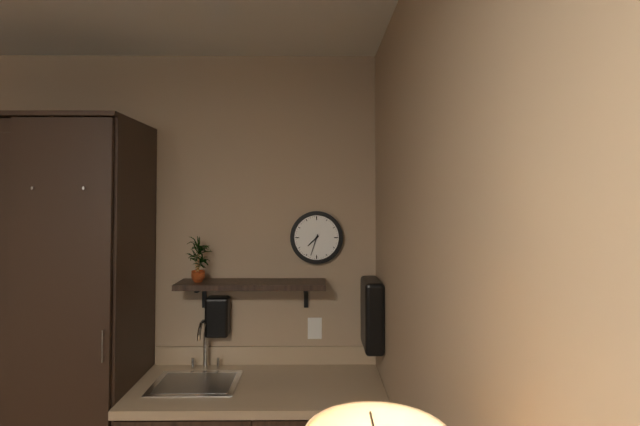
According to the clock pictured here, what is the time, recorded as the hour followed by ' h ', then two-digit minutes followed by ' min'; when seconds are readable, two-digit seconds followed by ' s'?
7 h 33 min
